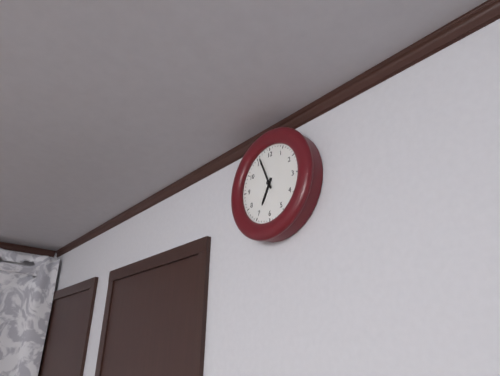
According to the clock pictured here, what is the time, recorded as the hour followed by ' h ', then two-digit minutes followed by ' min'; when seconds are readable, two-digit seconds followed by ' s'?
6 h 56 min
